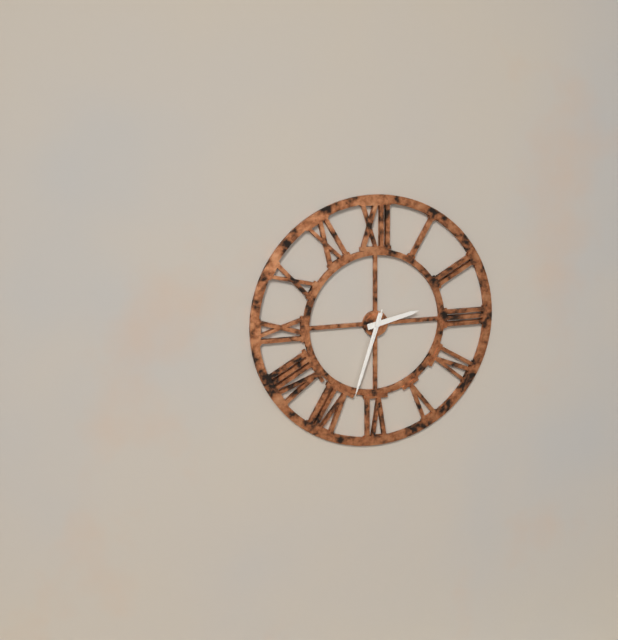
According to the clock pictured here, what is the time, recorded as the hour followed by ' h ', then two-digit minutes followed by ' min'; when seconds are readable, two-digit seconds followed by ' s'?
2 h 33 min 33 s
